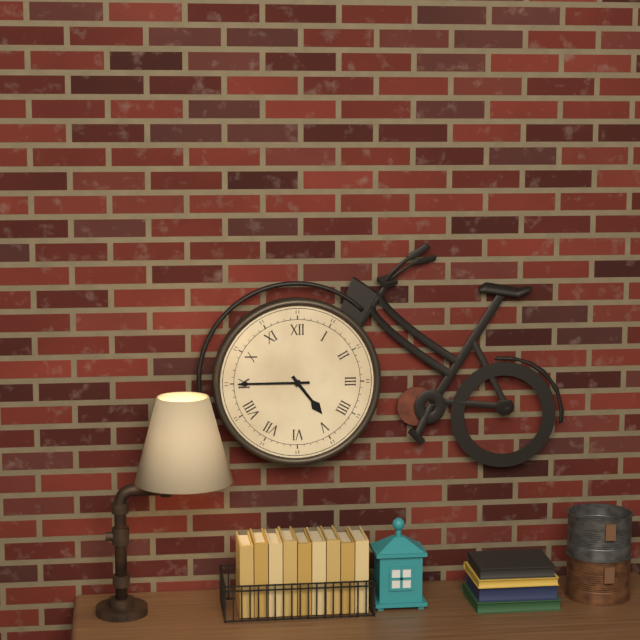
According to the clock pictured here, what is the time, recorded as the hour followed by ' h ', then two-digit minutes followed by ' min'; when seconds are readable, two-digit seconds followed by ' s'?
4 h 45 min
